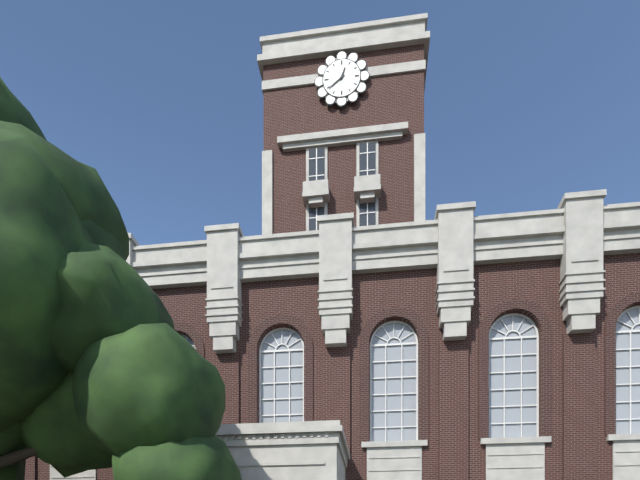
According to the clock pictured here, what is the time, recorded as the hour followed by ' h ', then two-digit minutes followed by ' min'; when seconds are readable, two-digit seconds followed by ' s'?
12 h 39 min
